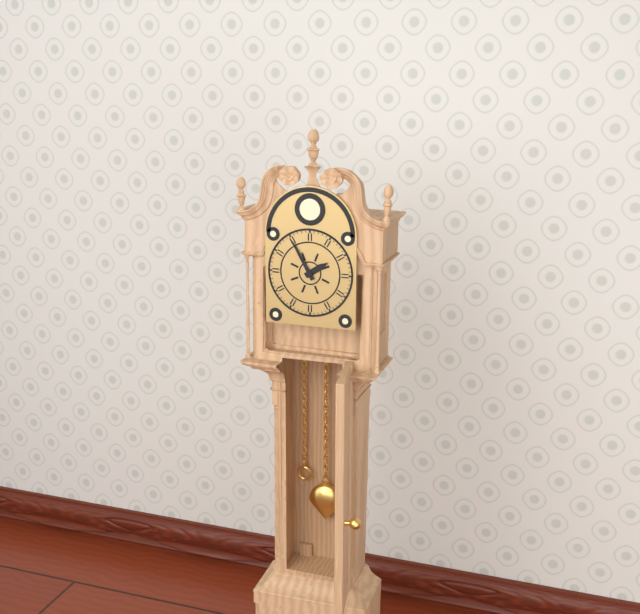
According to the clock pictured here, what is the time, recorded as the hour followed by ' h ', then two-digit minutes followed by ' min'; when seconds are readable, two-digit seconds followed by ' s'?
1 h 55 min
